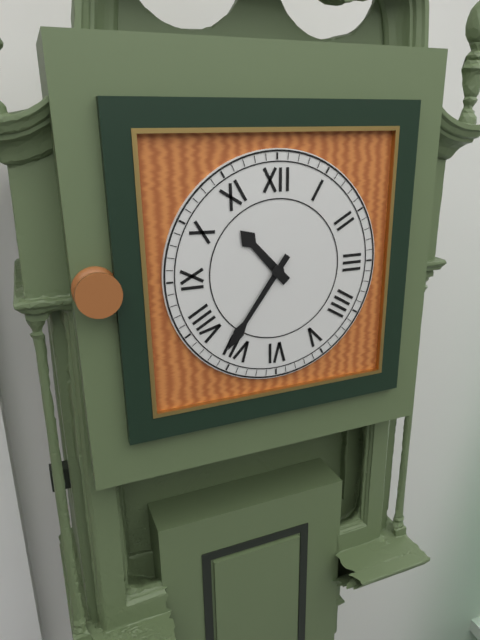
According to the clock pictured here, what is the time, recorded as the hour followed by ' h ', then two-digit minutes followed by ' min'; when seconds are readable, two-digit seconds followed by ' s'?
10 h 36 min
